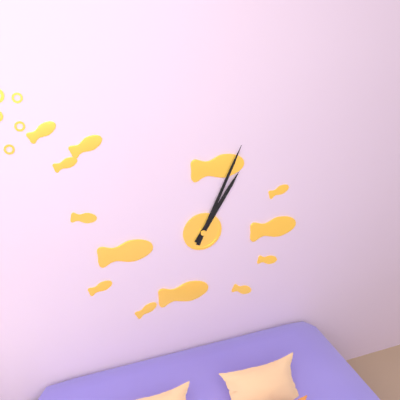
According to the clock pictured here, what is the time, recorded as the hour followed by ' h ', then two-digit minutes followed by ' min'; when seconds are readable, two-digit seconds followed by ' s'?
1 h 04 min
